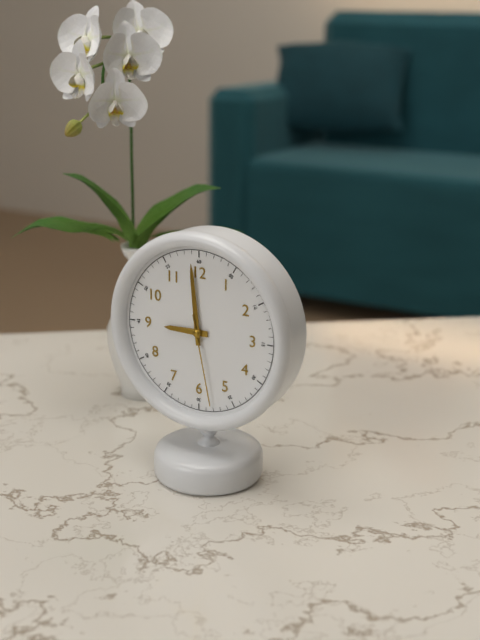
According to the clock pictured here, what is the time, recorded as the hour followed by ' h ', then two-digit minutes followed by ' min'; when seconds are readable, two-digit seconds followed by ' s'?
8 h 59 min 28 s
